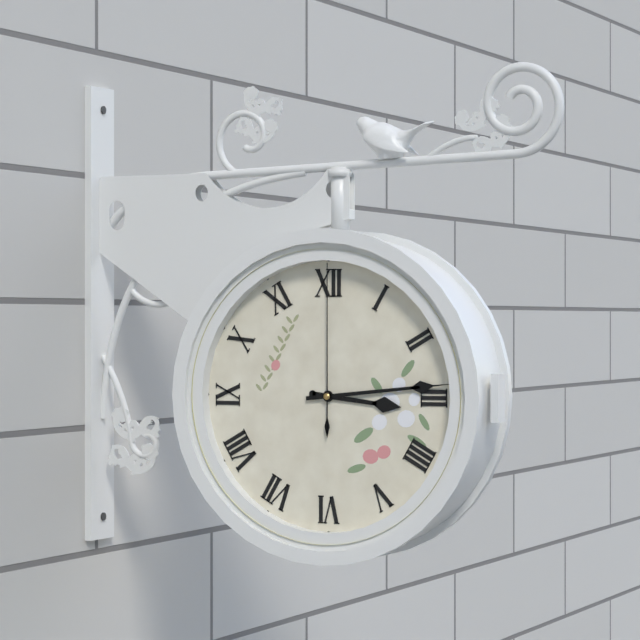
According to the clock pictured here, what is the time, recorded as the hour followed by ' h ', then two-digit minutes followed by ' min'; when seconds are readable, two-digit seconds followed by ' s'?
3 h 14 min 00 s
